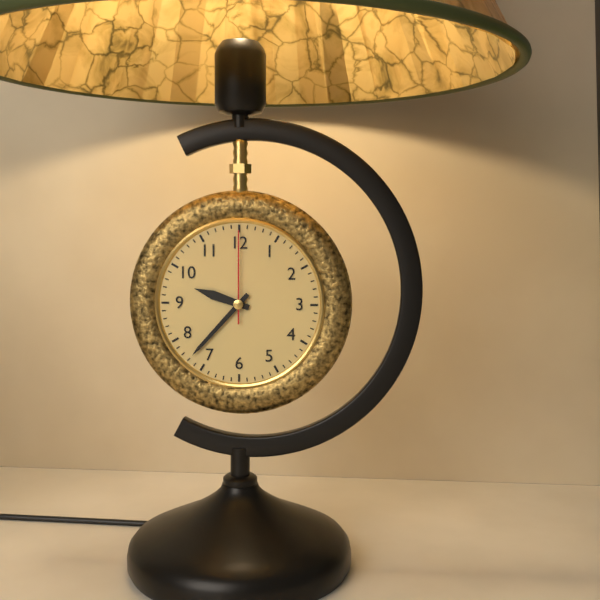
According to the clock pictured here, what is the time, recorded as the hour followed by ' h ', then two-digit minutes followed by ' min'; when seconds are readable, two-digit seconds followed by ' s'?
9 h 37 min 00 s
